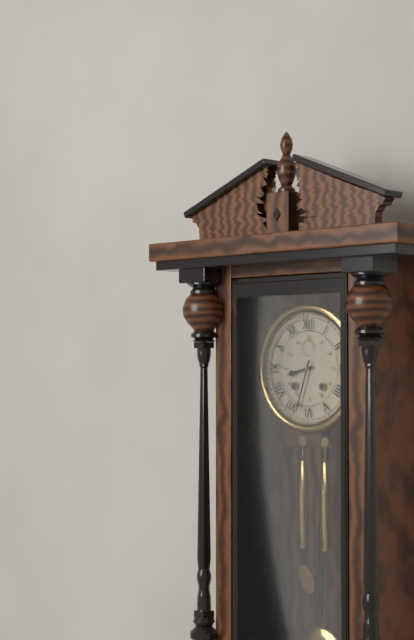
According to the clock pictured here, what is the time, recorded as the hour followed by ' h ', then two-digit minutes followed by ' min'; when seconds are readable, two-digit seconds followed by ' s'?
8 h 33 min
